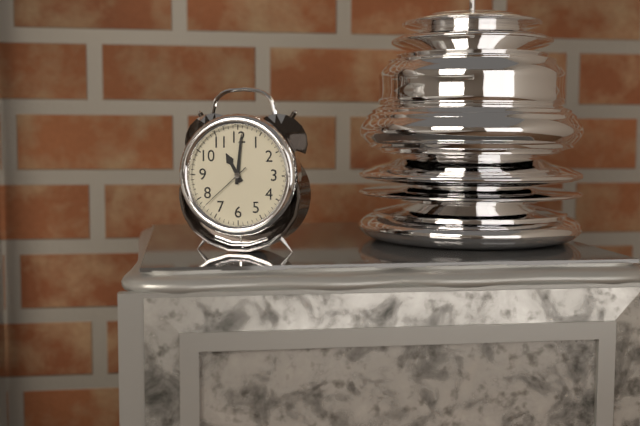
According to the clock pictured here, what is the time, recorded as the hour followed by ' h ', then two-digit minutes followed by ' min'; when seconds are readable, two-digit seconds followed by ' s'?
11 h 01 min 38 s
